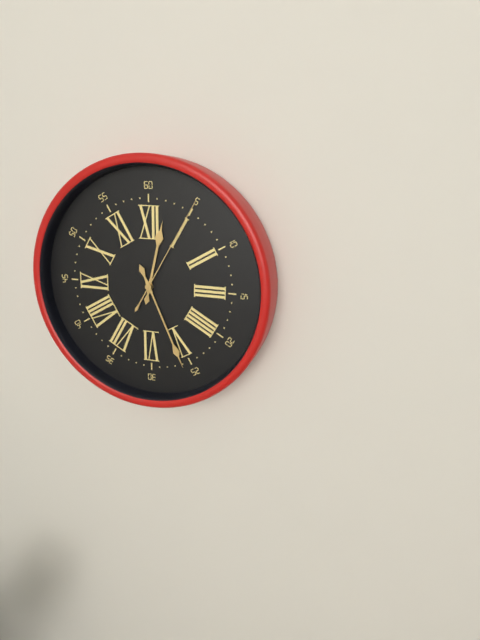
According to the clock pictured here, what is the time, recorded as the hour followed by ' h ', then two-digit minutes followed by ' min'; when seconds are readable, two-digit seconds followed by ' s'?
12 h 26 min 05 s
